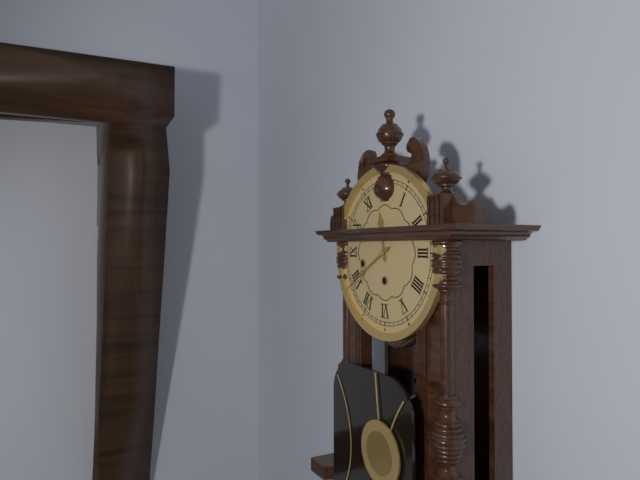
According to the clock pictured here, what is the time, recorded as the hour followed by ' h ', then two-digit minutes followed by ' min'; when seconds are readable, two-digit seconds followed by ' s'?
11 h 40 min
